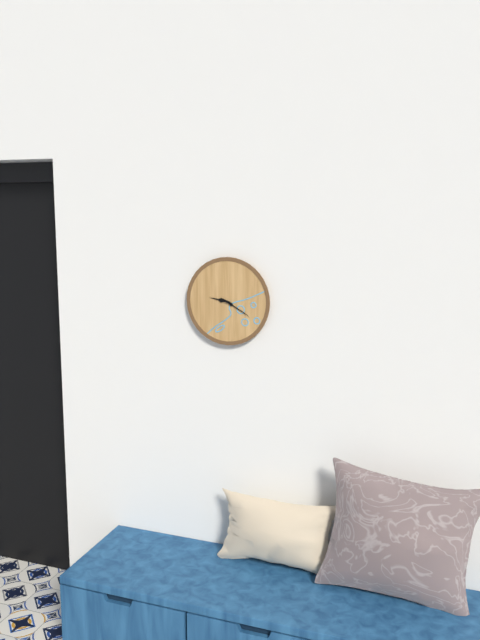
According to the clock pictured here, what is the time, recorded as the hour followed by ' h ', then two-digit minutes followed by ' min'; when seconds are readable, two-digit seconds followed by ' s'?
9 h 20 min
